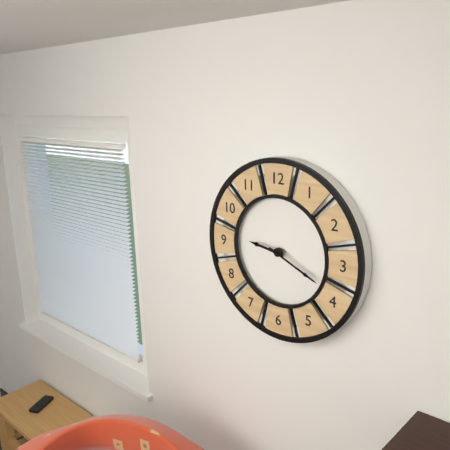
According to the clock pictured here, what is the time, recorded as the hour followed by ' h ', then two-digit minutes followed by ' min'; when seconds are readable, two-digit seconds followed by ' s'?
9 h 19 min
